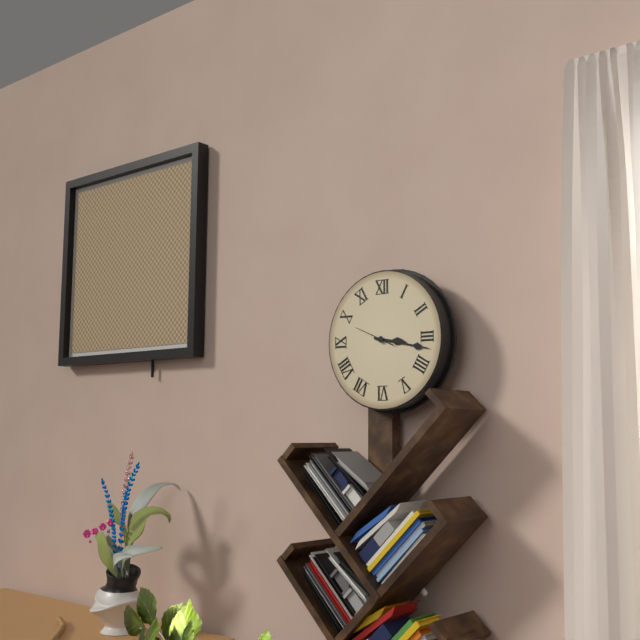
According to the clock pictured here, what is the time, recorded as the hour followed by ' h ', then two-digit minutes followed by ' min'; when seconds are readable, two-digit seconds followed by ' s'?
3 h 17 min
